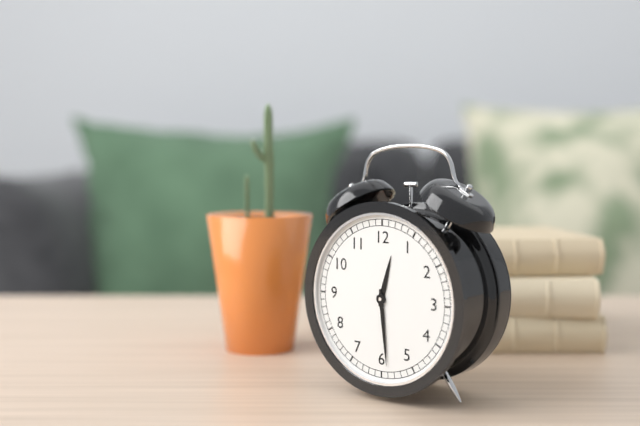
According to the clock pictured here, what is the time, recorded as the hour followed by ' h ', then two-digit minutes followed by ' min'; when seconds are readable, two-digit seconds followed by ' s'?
12 h 29 min
